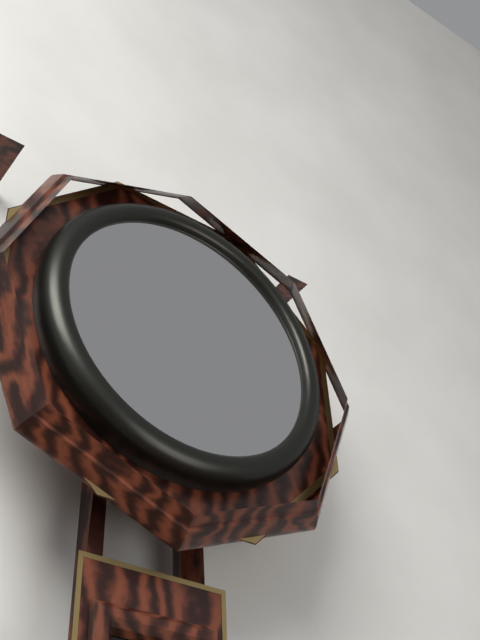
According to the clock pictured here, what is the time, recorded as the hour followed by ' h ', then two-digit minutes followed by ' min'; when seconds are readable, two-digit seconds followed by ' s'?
9 h 54 min
